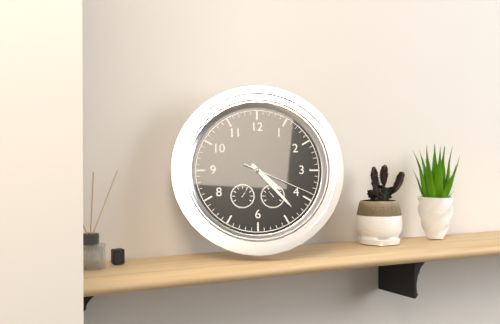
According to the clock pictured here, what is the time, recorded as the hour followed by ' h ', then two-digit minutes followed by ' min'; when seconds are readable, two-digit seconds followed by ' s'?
4 h 23 min 19 s
